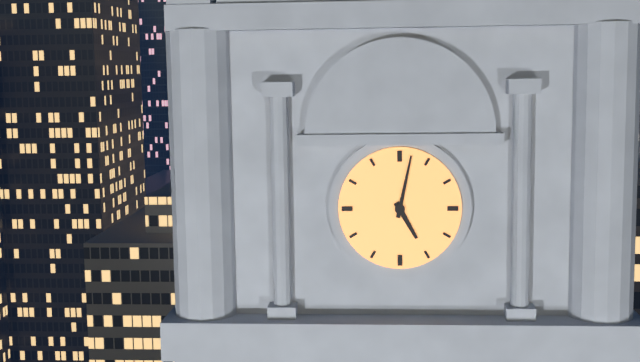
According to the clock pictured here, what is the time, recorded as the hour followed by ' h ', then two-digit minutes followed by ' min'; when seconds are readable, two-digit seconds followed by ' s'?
5 h 02 min
